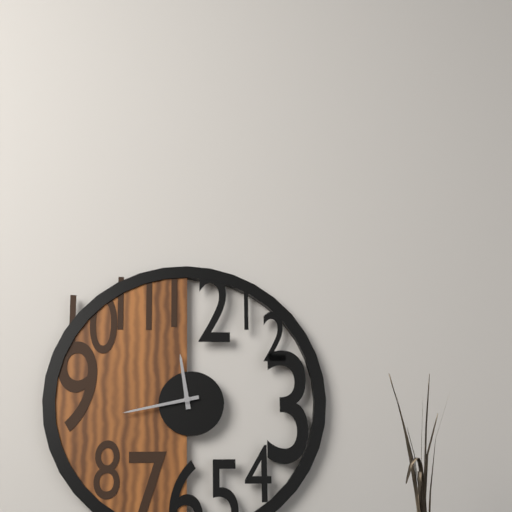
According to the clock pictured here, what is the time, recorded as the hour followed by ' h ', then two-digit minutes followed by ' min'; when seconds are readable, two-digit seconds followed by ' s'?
11 h 43 min
